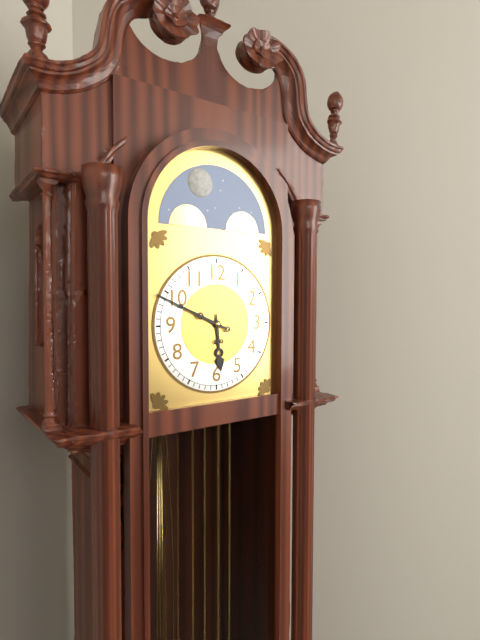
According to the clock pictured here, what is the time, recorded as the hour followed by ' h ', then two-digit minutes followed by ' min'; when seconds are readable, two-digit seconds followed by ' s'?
5 h 49 min
